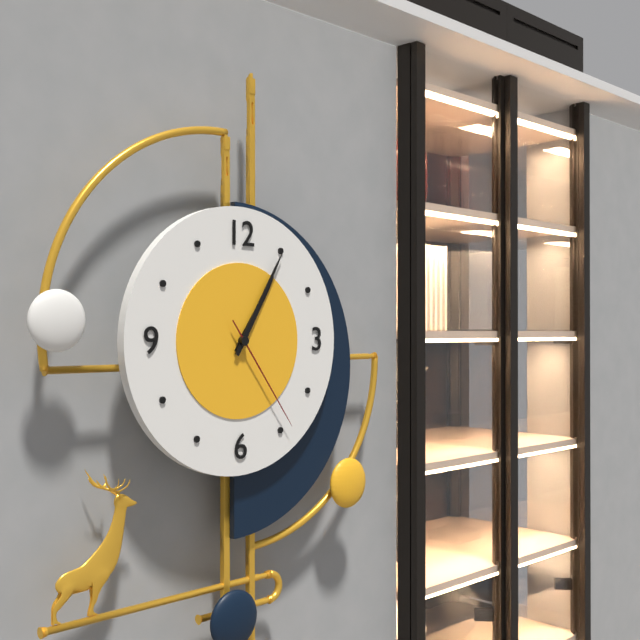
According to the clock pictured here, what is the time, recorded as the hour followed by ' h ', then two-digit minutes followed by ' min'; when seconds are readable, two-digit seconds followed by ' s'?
1 h 05 min 24 s
